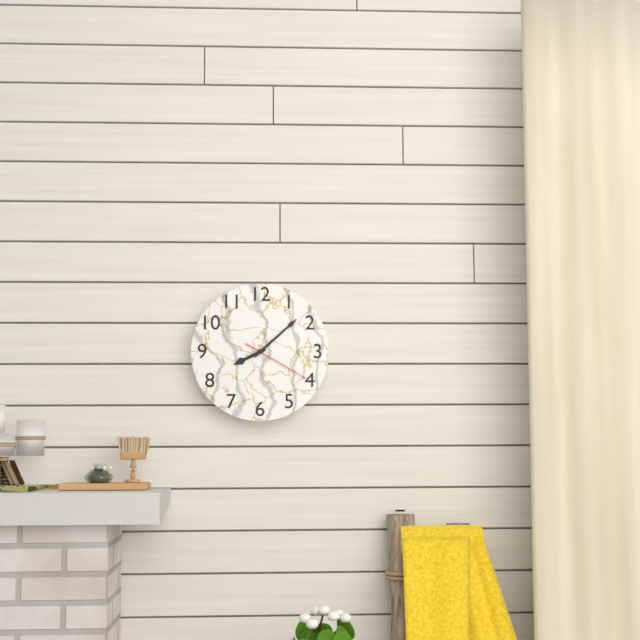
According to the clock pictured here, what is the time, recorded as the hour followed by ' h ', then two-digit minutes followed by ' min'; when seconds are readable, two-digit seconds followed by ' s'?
8 h 08 min 20 s
